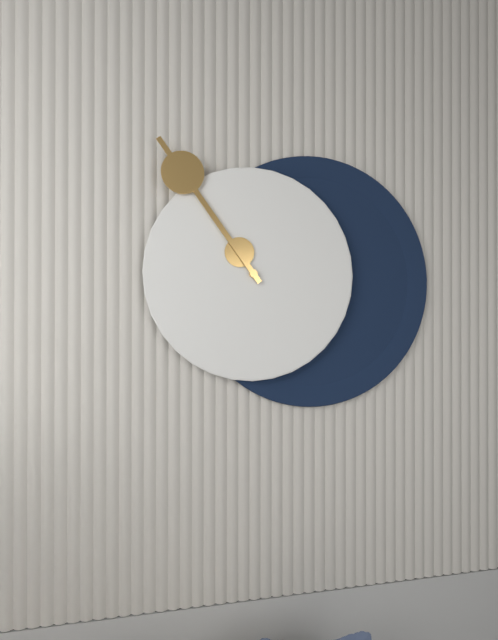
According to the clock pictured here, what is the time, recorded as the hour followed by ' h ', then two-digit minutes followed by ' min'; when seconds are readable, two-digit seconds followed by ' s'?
10 h 54 min
